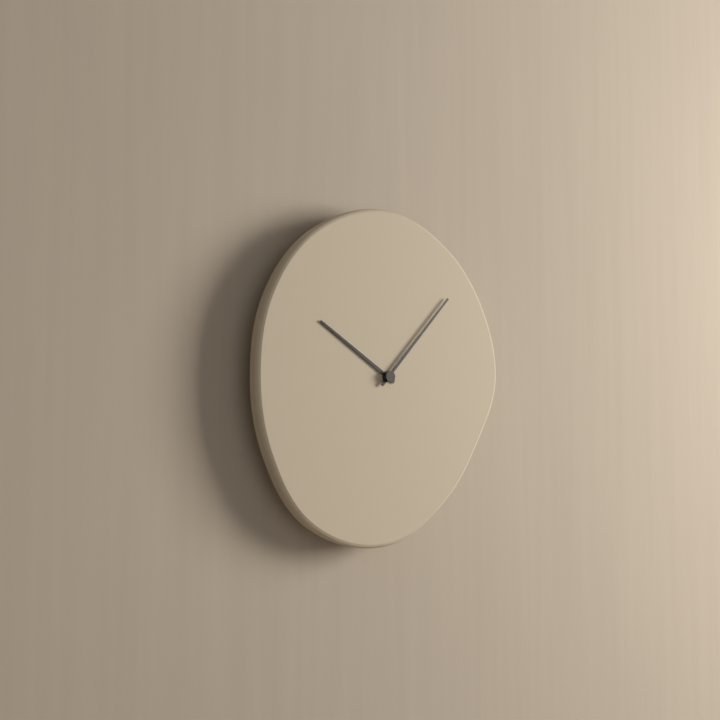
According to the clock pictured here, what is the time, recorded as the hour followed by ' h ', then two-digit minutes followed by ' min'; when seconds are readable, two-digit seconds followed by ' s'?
10 h 07 min
